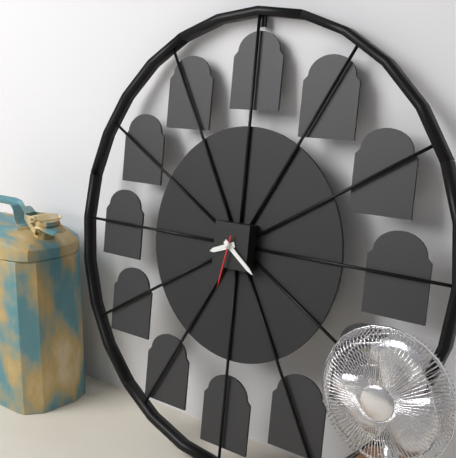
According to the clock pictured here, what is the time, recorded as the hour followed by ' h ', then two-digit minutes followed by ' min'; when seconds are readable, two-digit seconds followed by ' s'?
8 h 21 min 32 s
